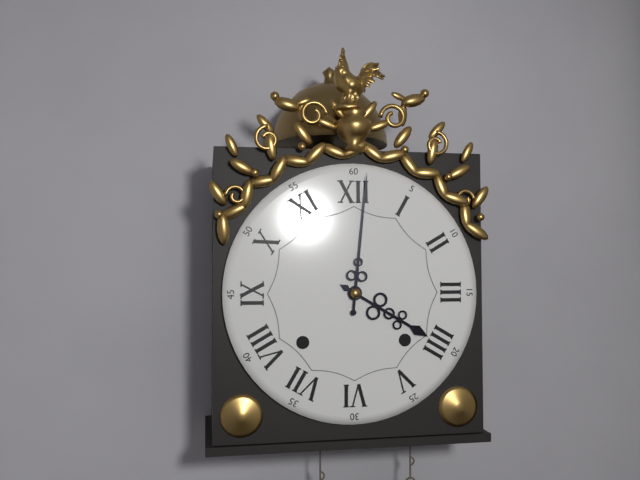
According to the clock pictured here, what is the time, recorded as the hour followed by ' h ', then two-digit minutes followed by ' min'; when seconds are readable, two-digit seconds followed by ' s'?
4 h 01 min
